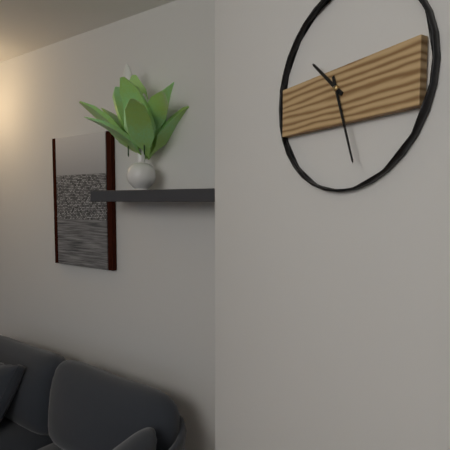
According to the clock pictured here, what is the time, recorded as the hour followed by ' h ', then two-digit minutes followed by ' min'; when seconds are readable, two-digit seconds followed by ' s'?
10 h 27 min
